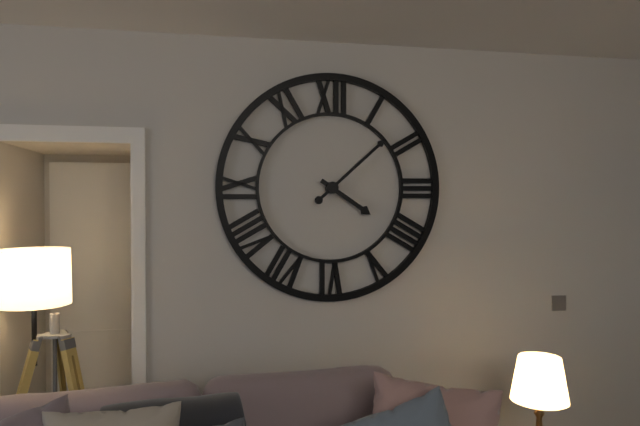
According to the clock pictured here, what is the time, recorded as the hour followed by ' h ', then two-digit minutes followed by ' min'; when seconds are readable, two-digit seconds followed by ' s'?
4 h 08 min
